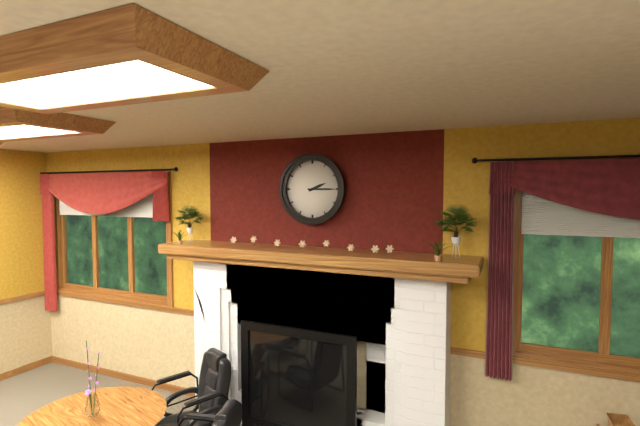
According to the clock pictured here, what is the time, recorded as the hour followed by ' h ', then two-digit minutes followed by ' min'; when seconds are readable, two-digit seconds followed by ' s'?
2 h 15 min
